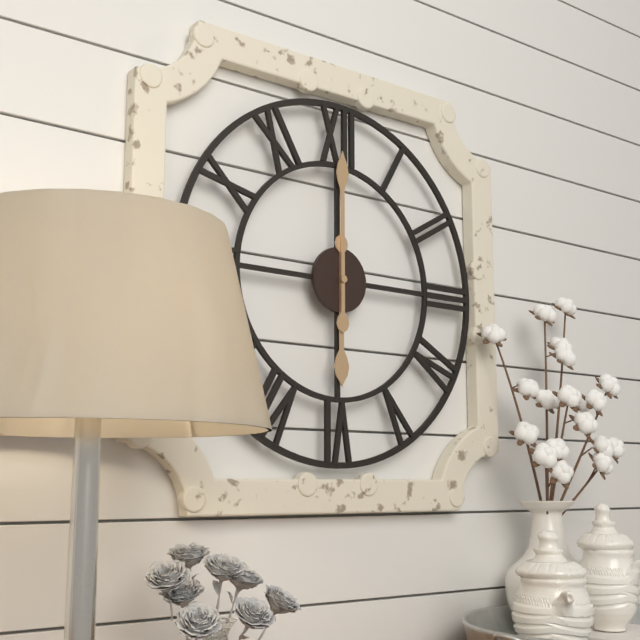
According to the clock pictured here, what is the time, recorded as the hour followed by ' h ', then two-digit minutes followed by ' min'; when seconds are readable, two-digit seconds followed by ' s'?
6 h 00 min
